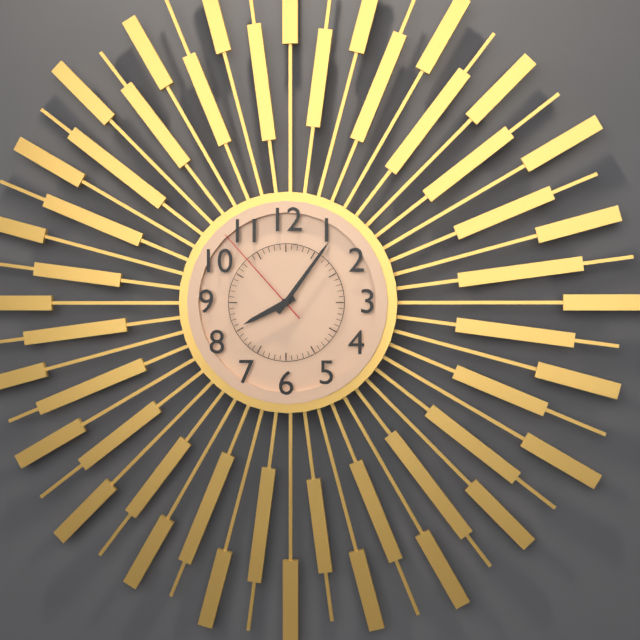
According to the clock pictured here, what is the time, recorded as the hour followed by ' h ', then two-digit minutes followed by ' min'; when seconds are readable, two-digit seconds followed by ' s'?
8 h 06 min 53 s
